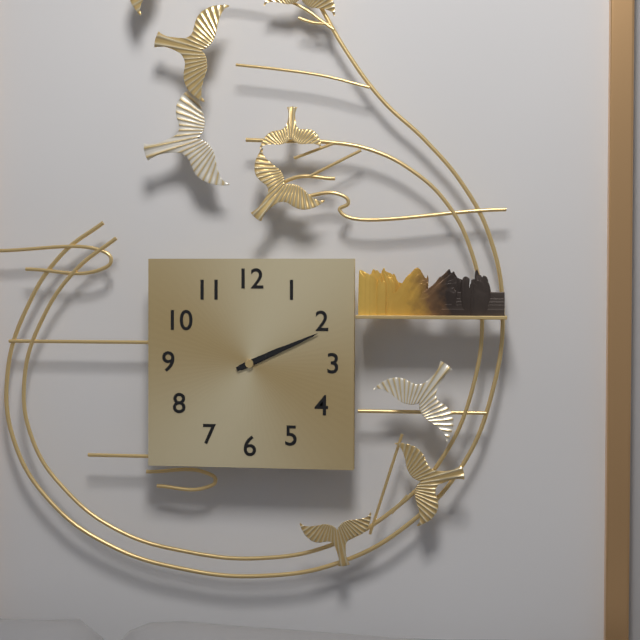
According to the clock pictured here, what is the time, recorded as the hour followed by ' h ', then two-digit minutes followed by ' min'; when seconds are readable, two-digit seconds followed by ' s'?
2 h 11 min
